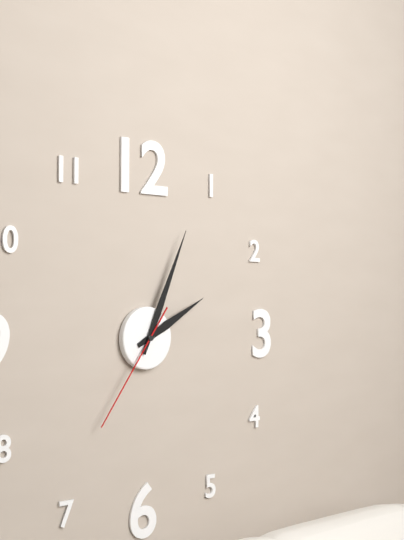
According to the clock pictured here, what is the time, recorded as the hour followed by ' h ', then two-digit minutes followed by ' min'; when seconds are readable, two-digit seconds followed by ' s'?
2 h 04 min 36 s
